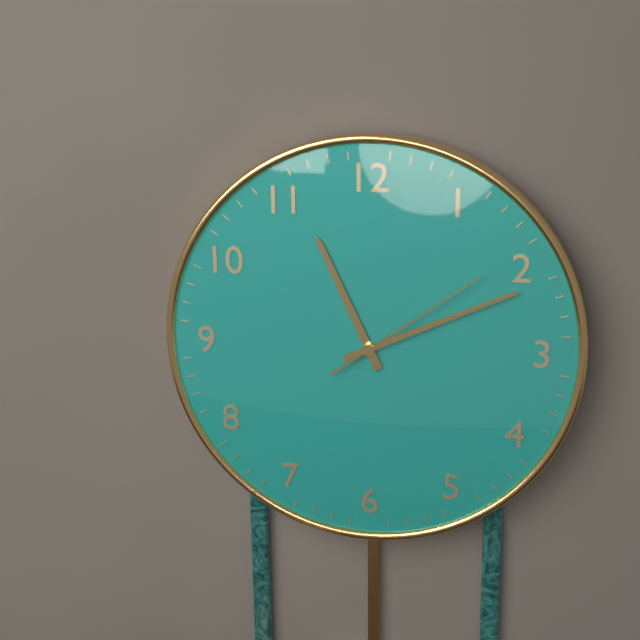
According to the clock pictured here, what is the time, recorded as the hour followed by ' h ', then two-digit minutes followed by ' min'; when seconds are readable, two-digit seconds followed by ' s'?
11 h 11 min 09 s
